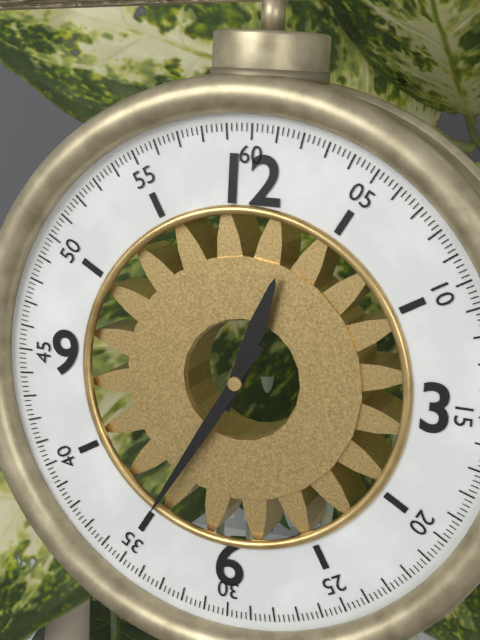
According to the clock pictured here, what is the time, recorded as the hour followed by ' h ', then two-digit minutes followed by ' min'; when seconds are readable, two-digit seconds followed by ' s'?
12 h 35 min
